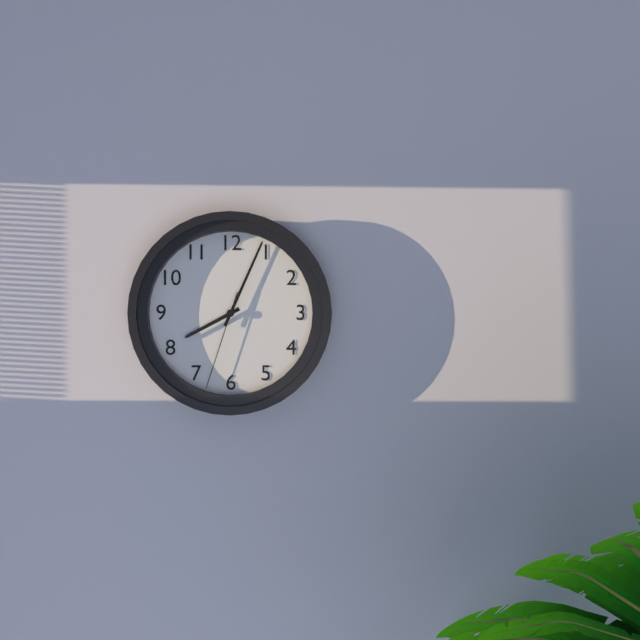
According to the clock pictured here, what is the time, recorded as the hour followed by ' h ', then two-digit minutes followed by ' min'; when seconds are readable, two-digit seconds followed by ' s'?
8 h 04 min 33 s
